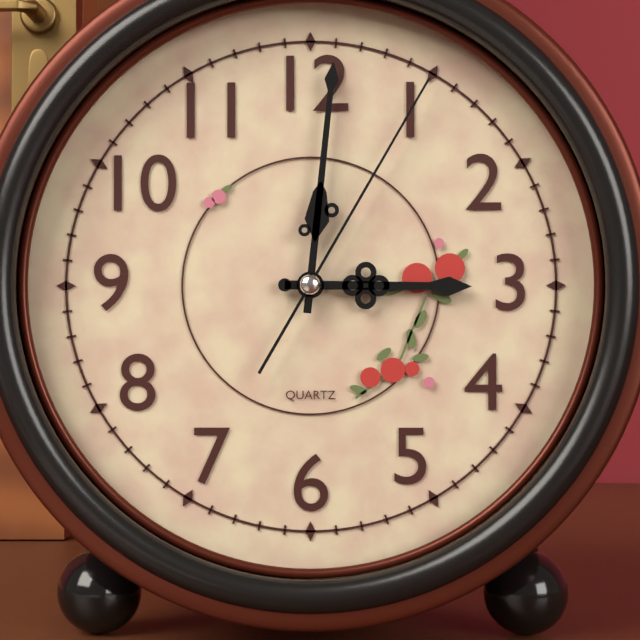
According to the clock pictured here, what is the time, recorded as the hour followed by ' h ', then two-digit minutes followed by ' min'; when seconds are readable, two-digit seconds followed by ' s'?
3 h 01 min 05 s
